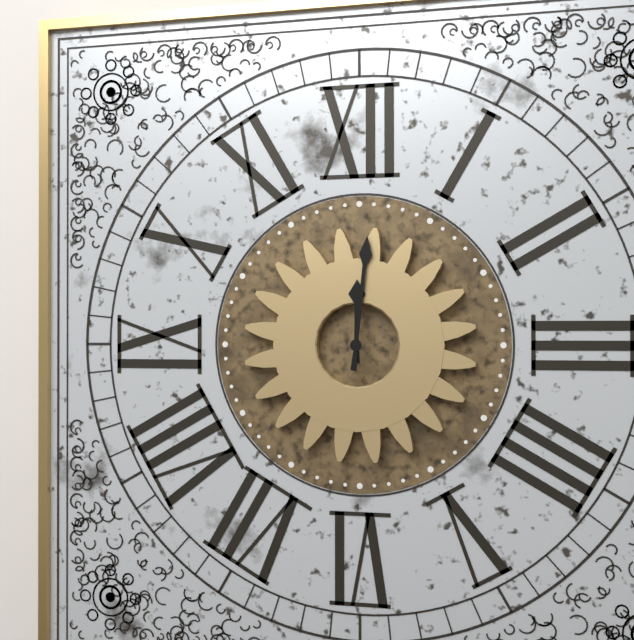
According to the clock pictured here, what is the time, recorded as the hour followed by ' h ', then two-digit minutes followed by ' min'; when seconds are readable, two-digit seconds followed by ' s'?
12 h 01 min
